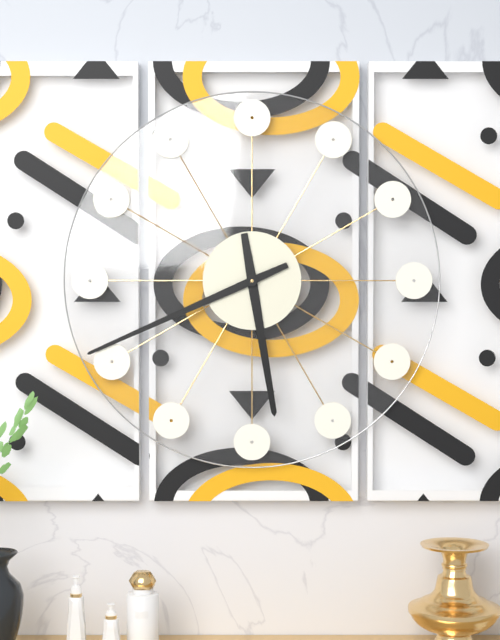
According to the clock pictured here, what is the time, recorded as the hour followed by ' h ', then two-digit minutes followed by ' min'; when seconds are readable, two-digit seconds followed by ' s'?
5 h 41 min
